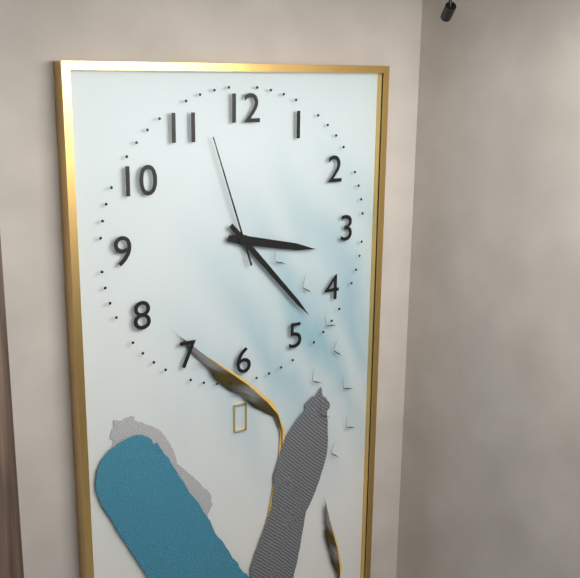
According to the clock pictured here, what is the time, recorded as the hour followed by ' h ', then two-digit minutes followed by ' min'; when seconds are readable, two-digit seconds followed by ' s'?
3 h 23 min 57 s
